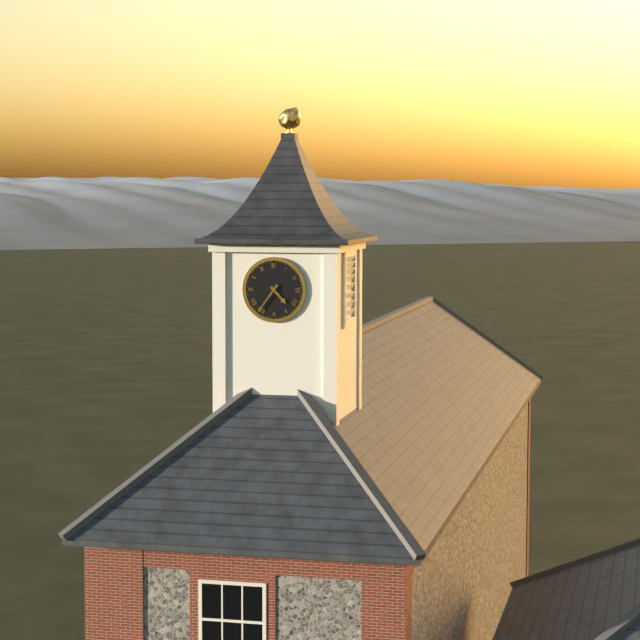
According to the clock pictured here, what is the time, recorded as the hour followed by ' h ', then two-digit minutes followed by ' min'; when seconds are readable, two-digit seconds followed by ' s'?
4 h 36 min
